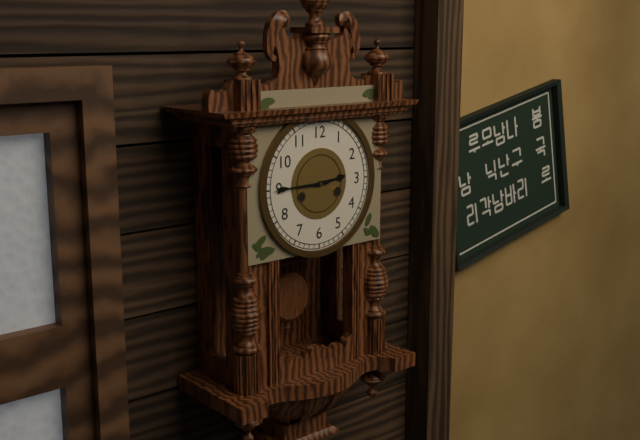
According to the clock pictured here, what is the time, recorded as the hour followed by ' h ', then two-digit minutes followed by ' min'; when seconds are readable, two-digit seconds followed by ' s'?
2 h 45 min
